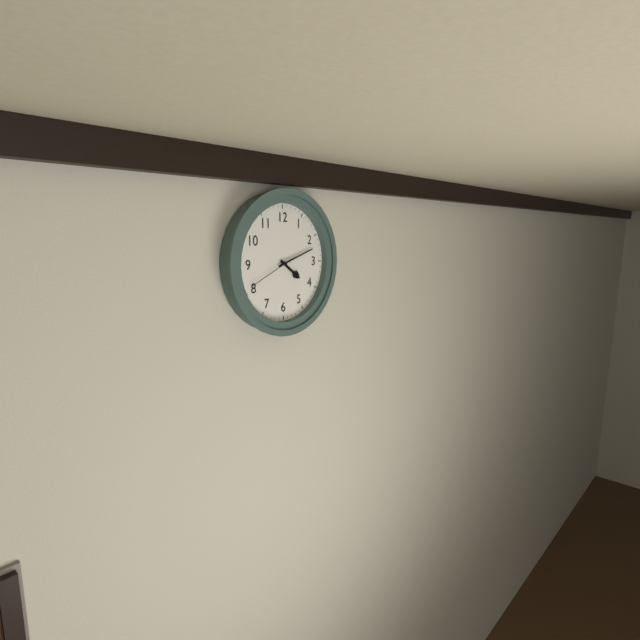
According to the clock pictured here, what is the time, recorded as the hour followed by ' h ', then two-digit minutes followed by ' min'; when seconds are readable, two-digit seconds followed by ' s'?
4 h 12 min
